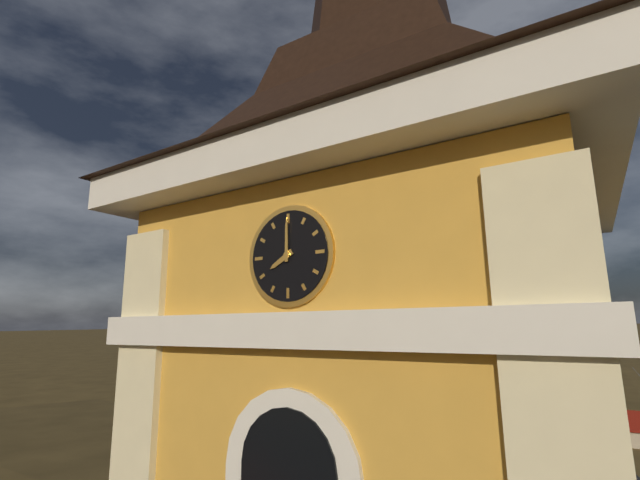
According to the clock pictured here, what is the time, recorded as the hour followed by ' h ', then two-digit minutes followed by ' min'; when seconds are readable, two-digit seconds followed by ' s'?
8 h 00 min
